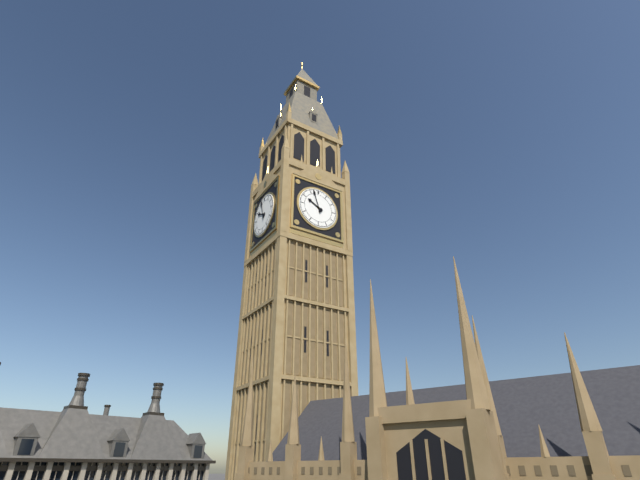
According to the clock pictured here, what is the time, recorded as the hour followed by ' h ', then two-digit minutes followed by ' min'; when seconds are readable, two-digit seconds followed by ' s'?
9 h 57 min
